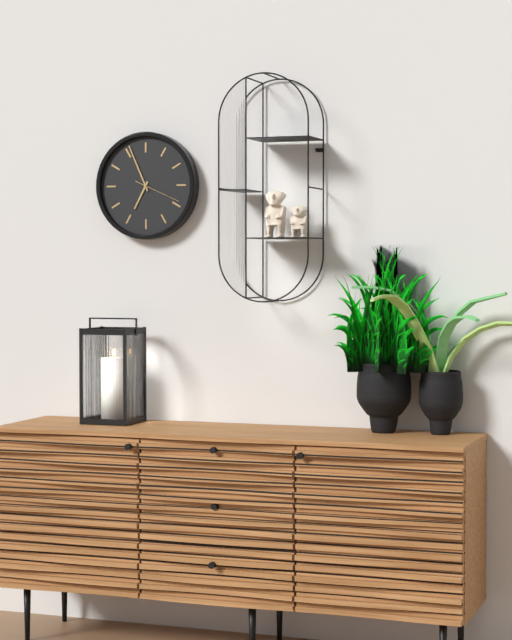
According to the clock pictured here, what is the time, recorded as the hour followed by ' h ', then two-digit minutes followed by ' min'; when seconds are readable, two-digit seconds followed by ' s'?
6 h 56 min
